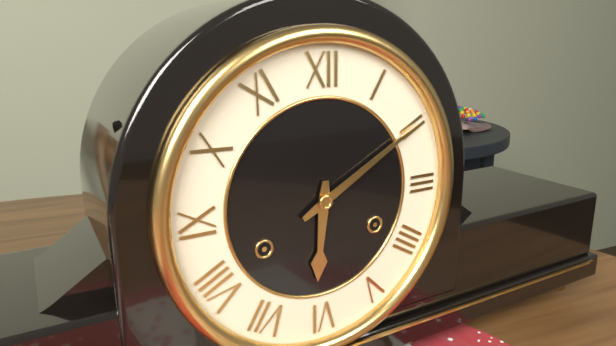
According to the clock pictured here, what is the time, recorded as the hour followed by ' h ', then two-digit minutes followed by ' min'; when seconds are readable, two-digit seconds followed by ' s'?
6 h 10 min
